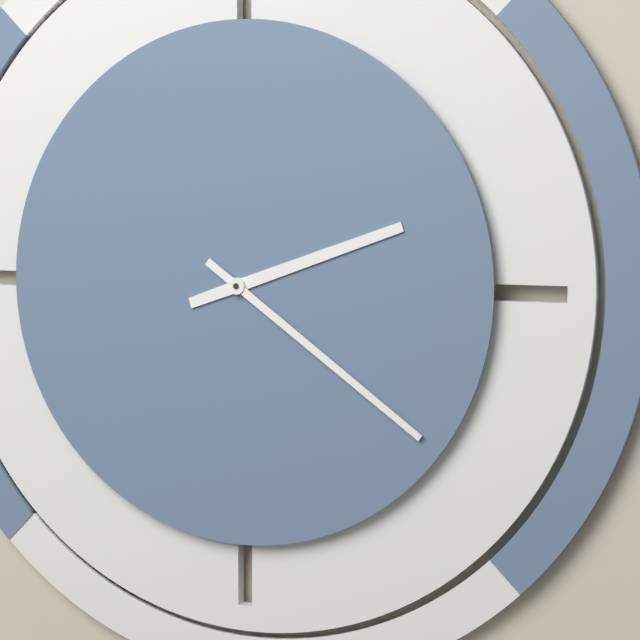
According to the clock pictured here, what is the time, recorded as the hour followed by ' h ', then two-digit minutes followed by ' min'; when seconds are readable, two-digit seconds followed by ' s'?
2 h 21 min
